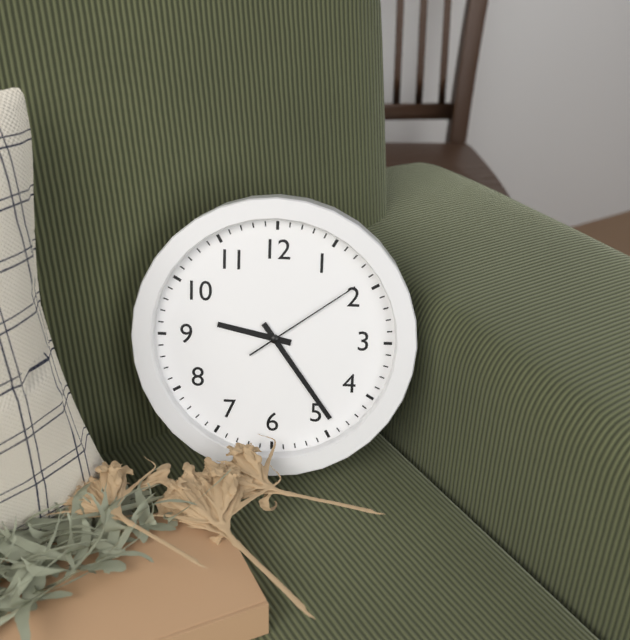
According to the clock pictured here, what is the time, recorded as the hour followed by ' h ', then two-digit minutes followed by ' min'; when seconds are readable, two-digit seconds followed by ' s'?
9 h 24 min 09 s
